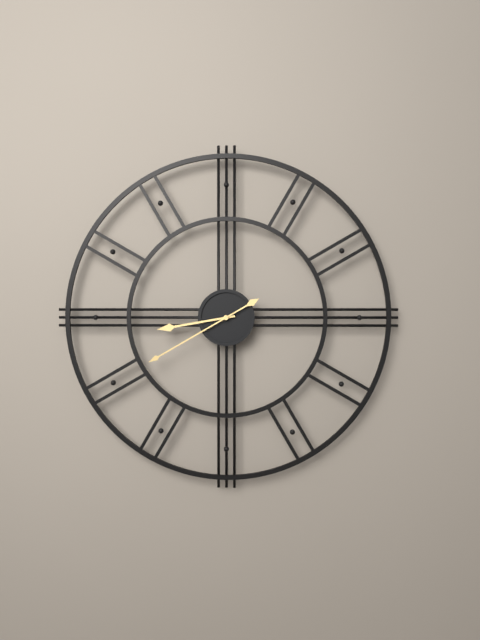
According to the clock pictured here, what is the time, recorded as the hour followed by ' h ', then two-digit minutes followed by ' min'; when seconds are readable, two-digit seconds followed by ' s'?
8 h 40 min
